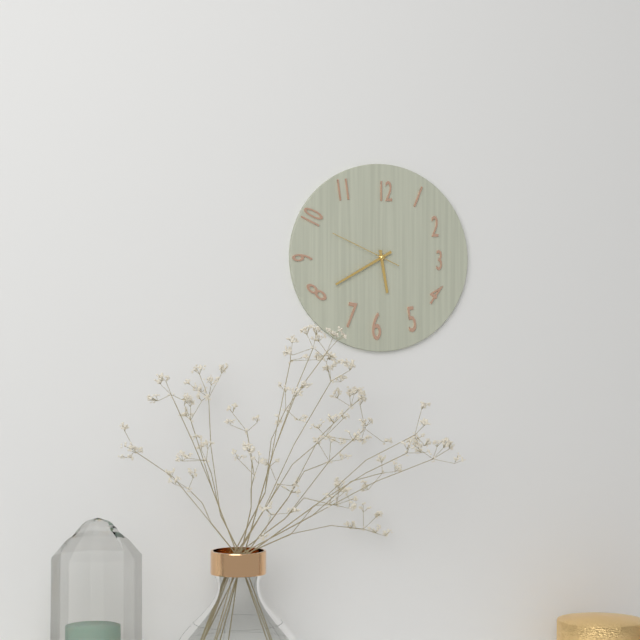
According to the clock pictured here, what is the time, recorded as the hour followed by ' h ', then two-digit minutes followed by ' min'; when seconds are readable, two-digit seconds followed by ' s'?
5 h 40 min 49 s
